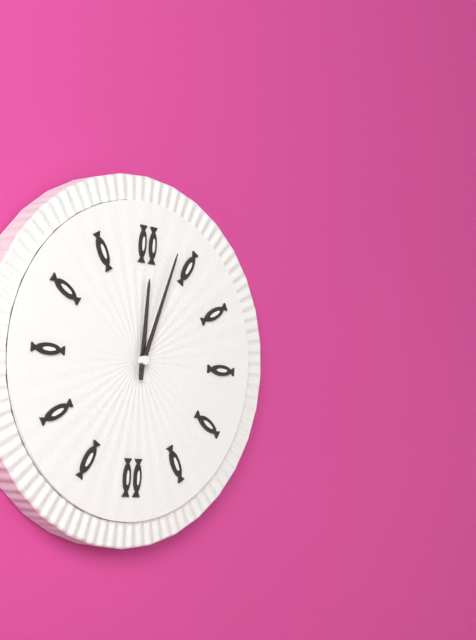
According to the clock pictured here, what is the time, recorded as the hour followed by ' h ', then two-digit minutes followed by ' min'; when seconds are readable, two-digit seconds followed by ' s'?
12 h 03 min
